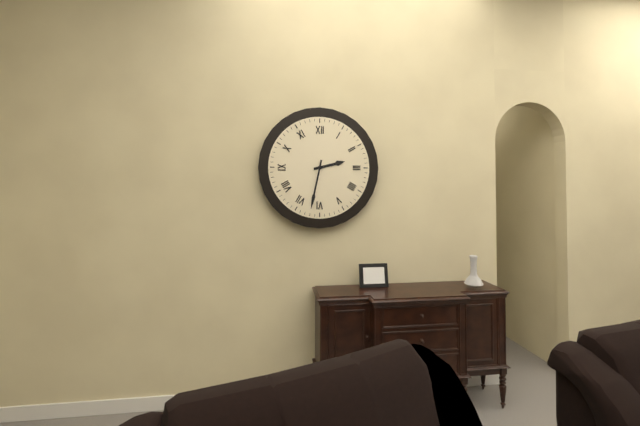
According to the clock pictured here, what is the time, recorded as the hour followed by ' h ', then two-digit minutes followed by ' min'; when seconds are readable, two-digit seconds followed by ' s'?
2 h 32 min
